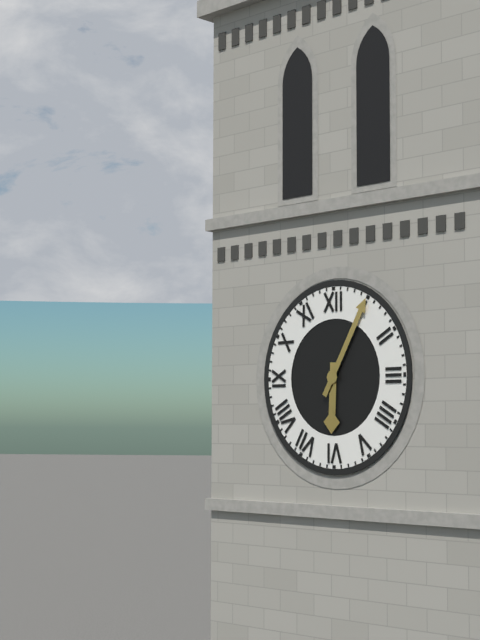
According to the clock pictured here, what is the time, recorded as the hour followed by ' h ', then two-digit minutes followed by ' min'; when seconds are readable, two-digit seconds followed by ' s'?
6 h 05 min
